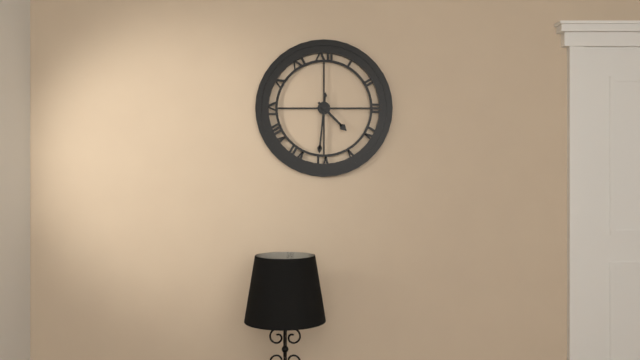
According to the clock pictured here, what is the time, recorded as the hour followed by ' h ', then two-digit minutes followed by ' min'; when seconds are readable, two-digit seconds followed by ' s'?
4 h 31 min
